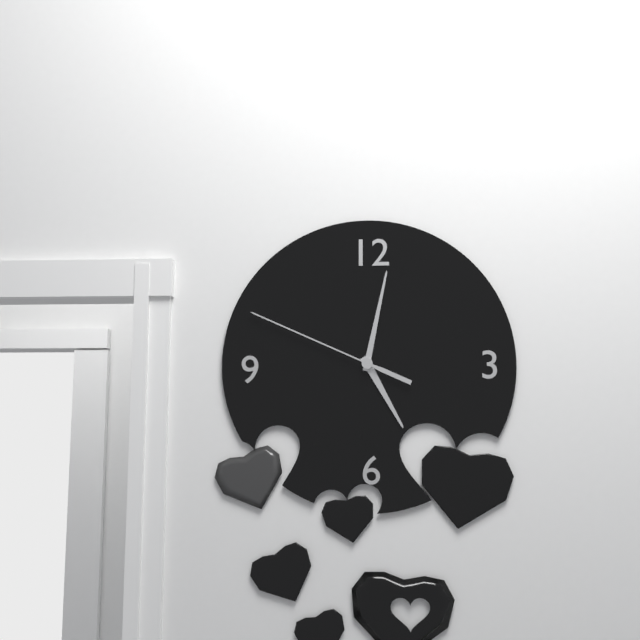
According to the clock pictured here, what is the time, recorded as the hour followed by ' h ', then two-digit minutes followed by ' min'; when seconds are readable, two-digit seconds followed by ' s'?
5 h 02 min 49 s
